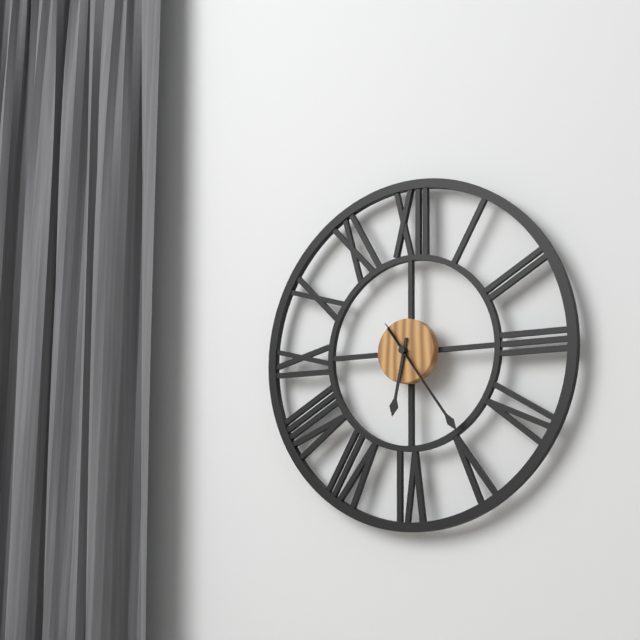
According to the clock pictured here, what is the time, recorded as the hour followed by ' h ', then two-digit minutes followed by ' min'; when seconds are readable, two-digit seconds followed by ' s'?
6 h 24 min
